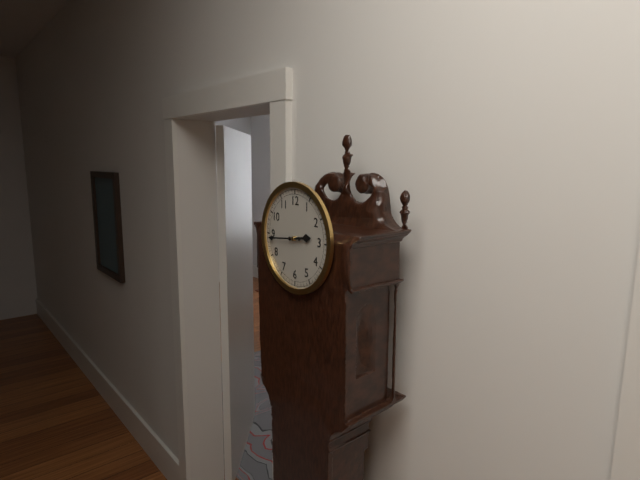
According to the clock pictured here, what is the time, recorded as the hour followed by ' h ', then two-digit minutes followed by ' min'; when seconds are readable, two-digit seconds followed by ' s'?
2 h 44 min
